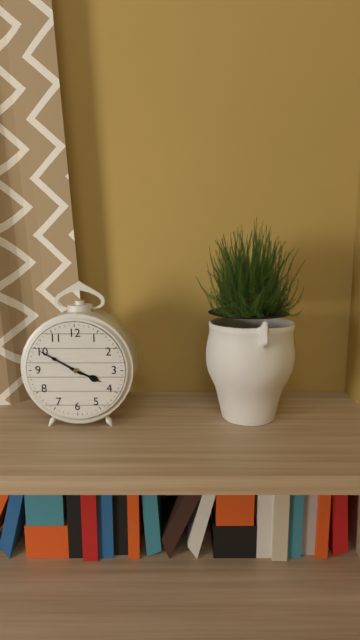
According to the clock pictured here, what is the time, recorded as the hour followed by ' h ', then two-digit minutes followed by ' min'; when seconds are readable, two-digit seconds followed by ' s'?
3 h 50 min
